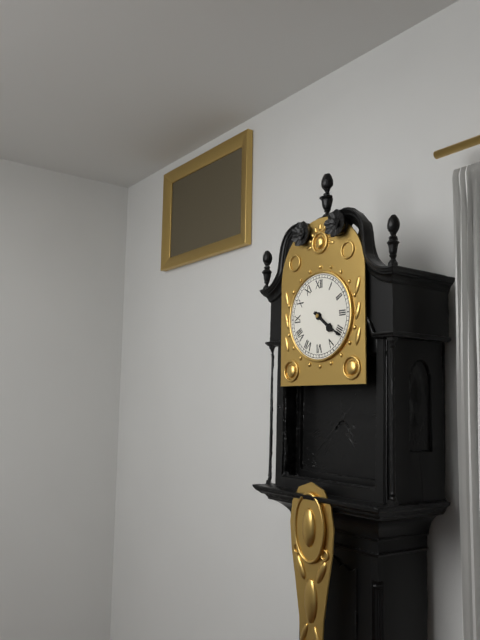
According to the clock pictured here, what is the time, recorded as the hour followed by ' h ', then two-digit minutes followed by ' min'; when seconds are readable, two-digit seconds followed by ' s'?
4 h 21 min
